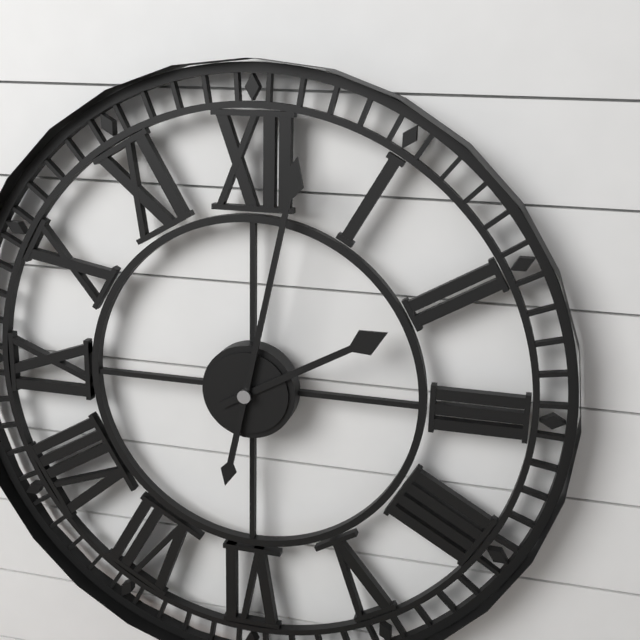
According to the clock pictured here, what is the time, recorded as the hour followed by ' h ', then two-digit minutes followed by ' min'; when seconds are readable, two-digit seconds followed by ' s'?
2 h 02 min
